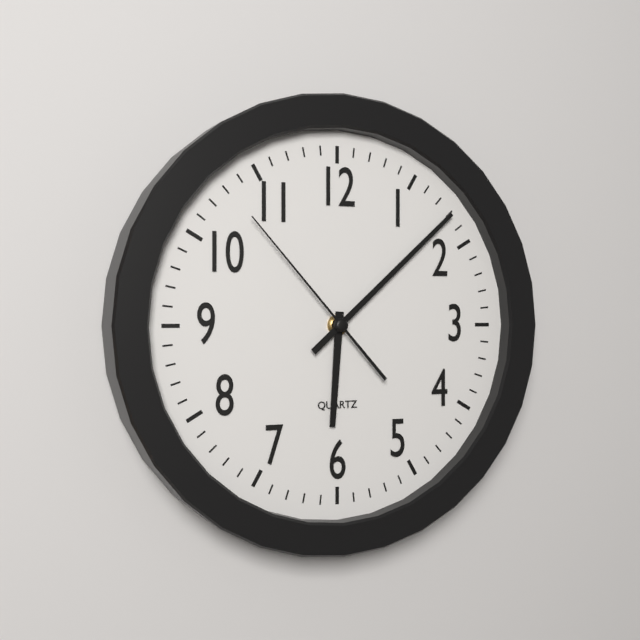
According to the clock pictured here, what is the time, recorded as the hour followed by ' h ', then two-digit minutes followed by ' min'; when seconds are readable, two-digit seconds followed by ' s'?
6 h 08 min 53 s
